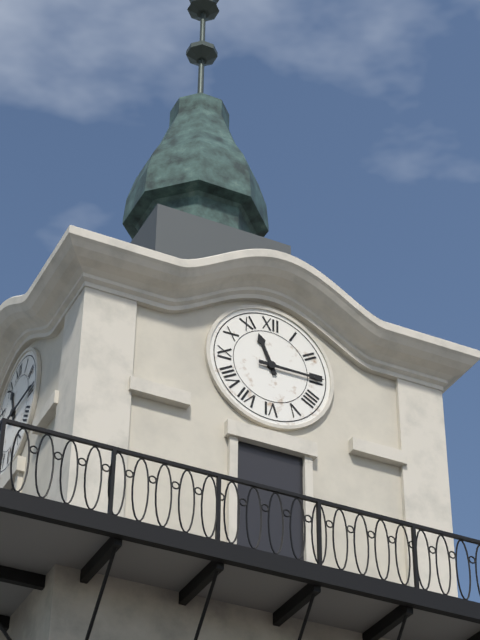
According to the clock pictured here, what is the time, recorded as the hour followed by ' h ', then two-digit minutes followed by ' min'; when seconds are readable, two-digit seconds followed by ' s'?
11 h 15 min
